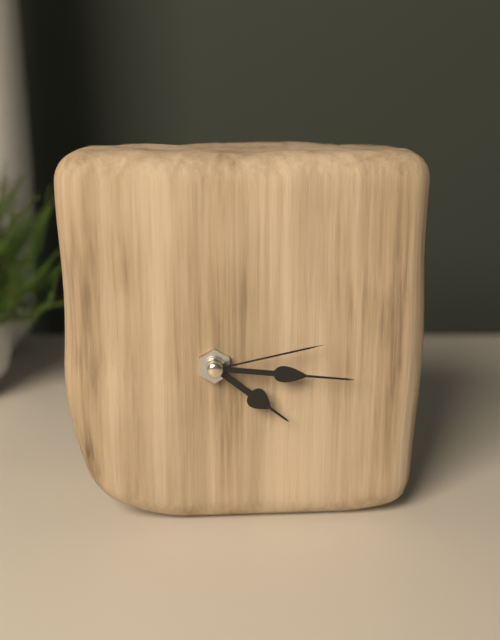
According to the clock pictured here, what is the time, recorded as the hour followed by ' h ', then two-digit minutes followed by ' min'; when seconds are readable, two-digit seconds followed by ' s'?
4 h 16 min 13 s
